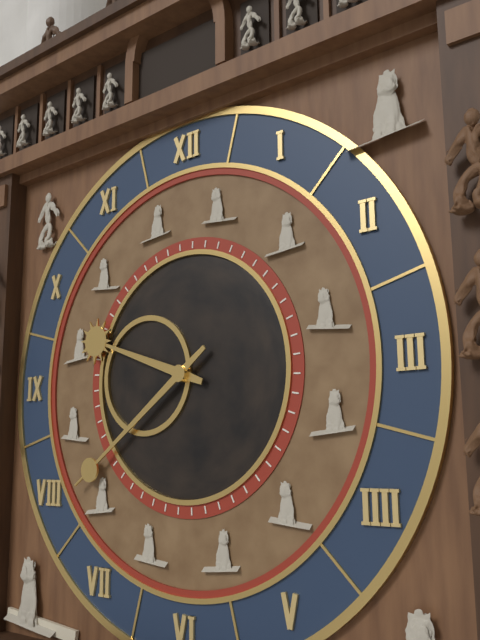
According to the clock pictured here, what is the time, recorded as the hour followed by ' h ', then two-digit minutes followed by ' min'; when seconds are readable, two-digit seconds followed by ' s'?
9 h 39 min
